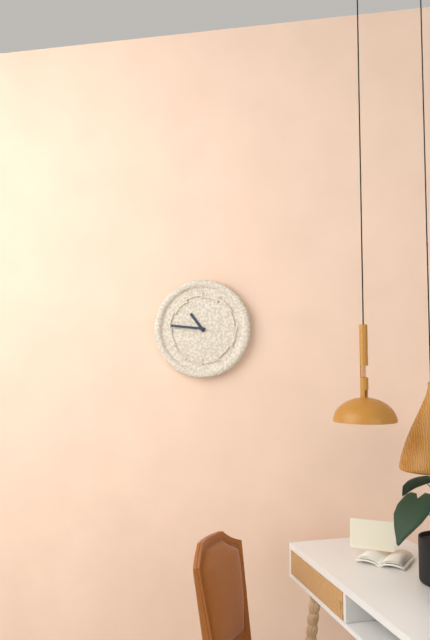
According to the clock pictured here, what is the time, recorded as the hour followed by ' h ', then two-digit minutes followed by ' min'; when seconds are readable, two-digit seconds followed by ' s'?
10 h 46 min
